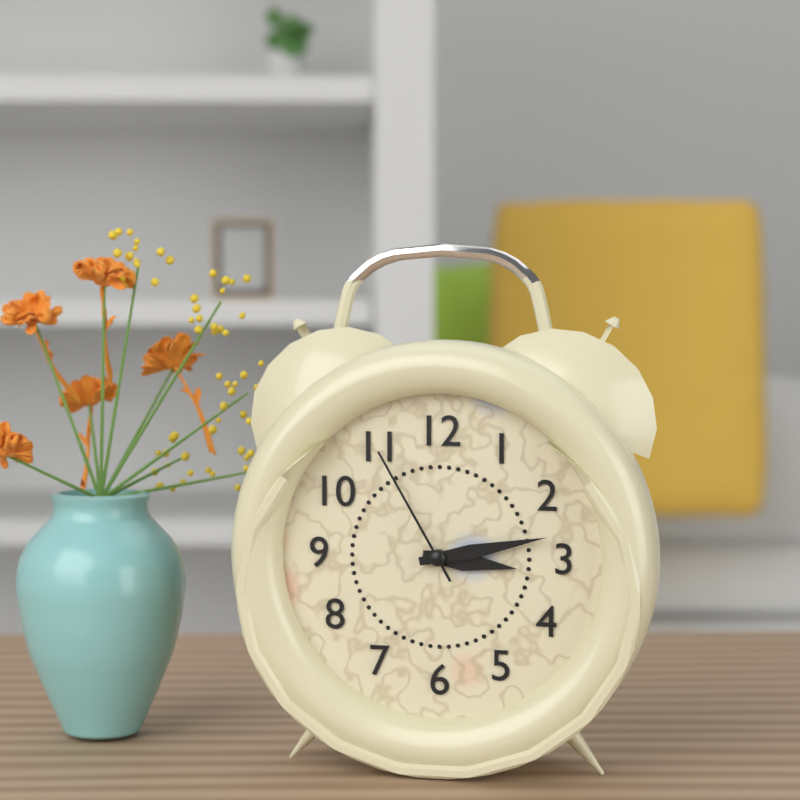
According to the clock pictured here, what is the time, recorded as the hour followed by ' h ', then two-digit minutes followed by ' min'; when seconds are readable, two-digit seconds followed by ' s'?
3 h 13 min 55 s
